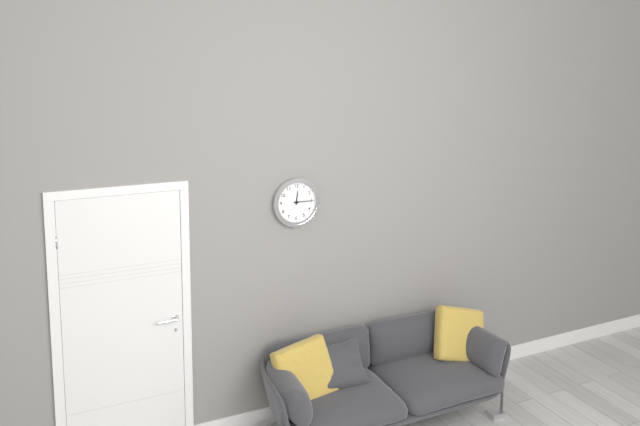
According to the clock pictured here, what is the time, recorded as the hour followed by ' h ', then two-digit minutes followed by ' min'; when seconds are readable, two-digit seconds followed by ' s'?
12 h 15 min
